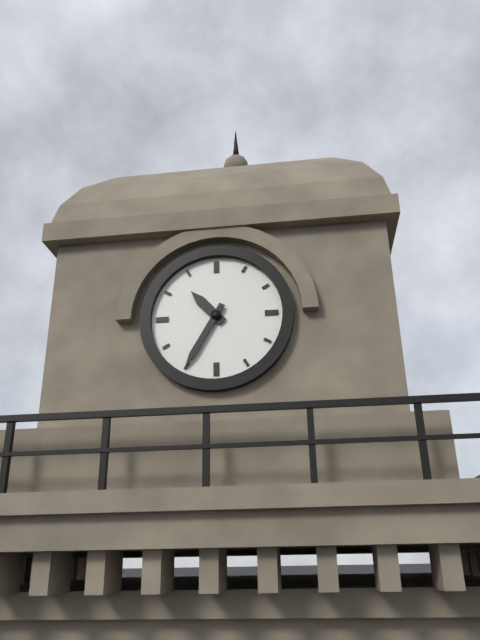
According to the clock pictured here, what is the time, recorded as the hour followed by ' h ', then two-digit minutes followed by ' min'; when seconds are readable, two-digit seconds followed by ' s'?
10 h 35 min
